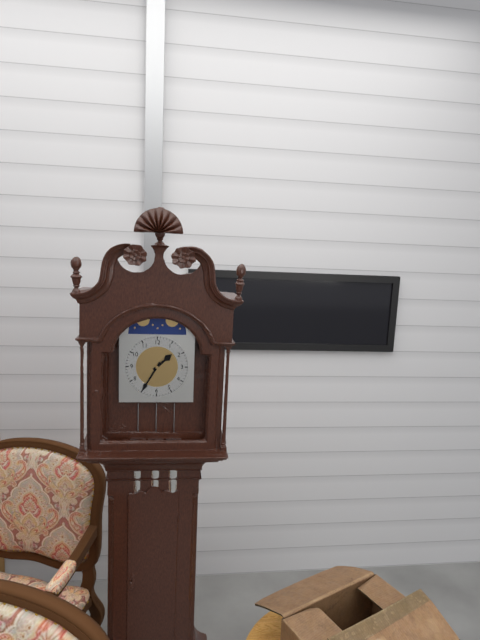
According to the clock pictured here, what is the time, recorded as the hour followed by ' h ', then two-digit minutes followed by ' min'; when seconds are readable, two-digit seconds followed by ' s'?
1 h 35 min
